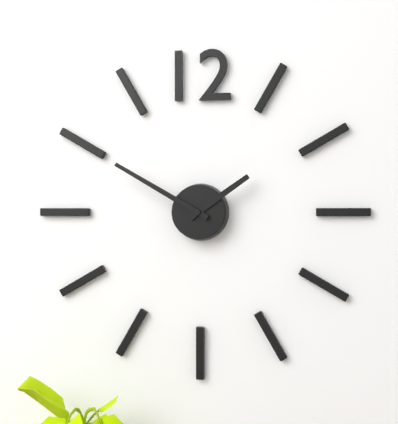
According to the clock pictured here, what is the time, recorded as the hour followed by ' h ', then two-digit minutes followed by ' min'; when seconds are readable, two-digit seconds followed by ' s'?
1 h 50 min
